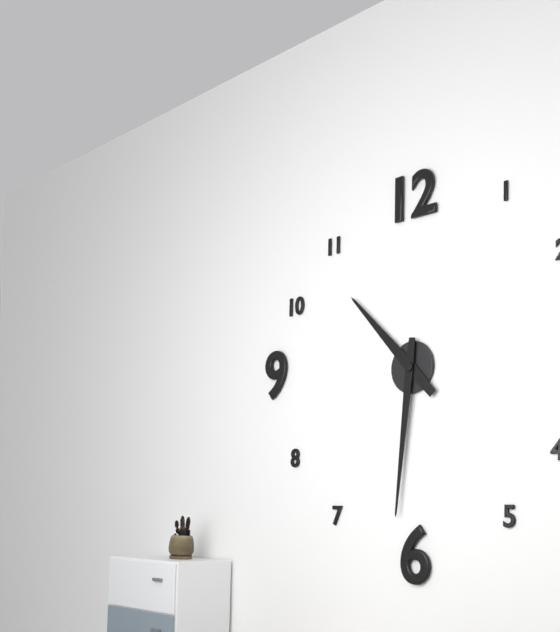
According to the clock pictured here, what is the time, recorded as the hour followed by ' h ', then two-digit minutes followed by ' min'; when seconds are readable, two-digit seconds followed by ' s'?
10 h 31 min
